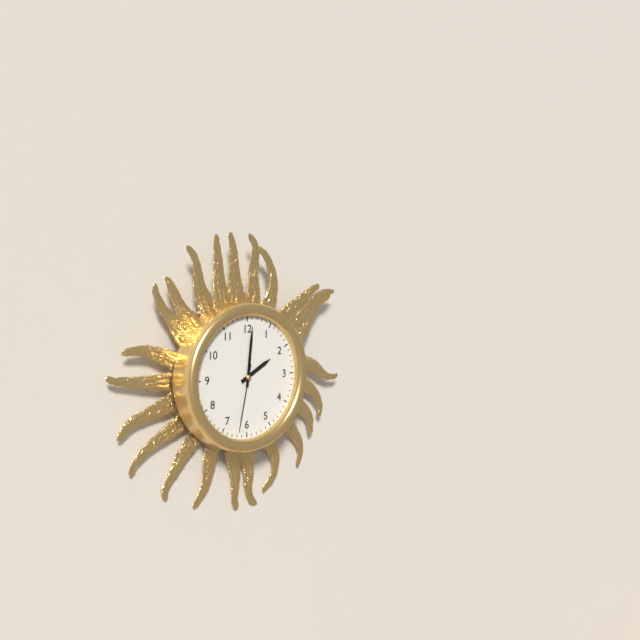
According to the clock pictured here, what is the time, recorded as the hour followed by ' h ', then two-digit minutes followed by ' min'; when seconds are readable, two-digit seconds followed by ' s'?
2 h 01 min 32 s
